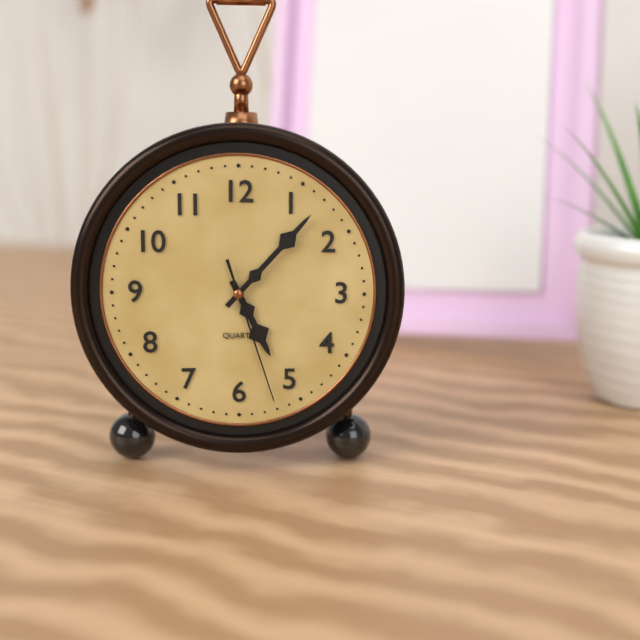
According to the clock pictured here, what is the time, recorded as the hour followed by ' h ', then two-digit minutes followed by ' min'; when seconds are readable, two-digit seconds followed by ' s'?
5 h 07 min 27 s
